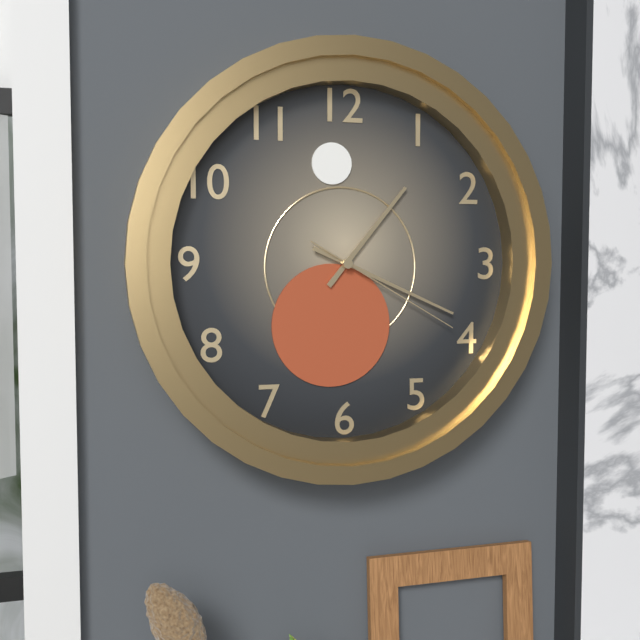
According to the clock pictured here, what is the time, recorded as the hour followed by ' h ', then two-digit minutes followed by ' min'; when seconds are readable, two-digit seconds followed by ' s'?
1 h 19 min 20 s
